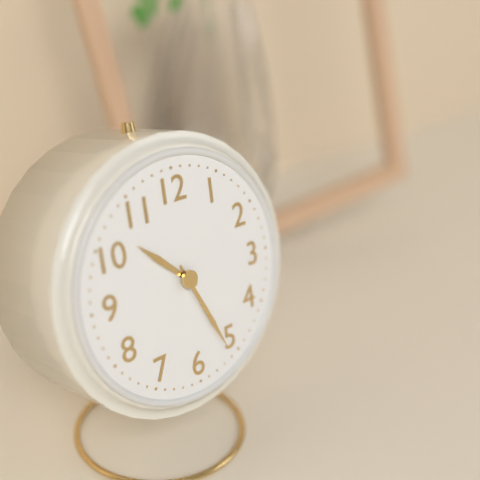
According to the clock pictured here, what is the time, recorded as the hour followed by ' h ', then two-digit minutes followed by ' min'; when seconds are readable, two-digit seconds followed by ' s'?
10 h 26 min
